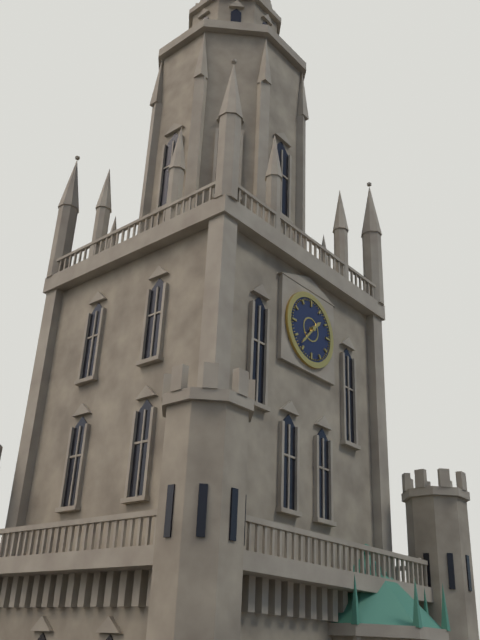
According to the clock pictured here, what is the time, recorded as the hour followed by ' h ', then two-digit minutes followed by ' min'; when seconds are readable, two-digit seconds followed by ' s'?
1 h 37 min
